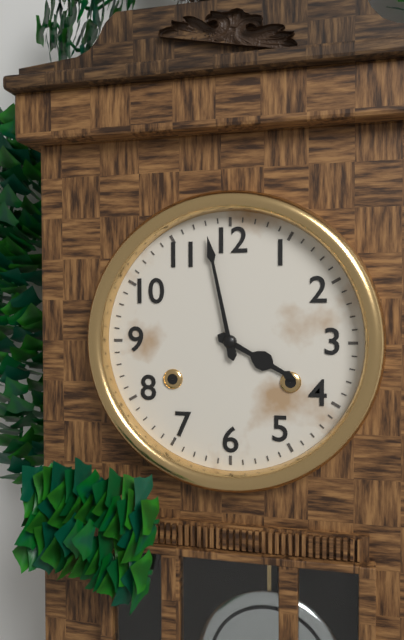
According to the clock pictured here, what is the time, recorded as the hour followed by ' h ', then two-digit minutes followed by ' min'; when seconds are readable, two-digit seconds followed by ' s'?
3 h 58 min
